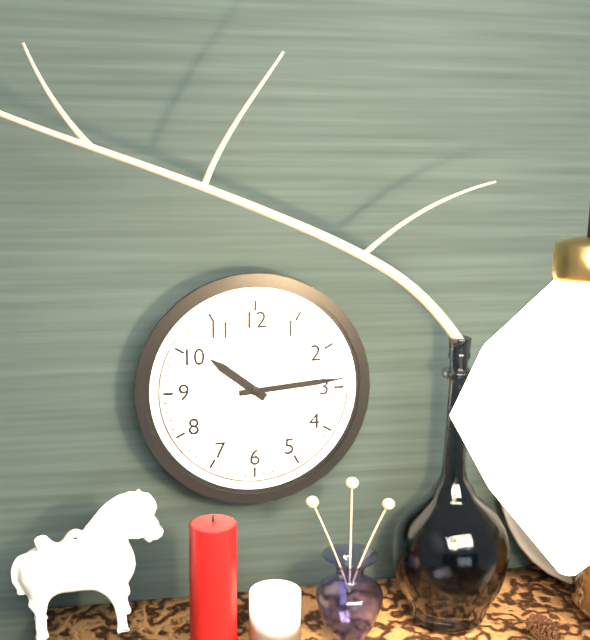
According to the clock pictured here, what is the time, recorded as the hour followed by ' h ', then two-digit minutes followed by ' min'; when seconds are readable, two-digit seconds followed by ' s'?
10 h 14 min
